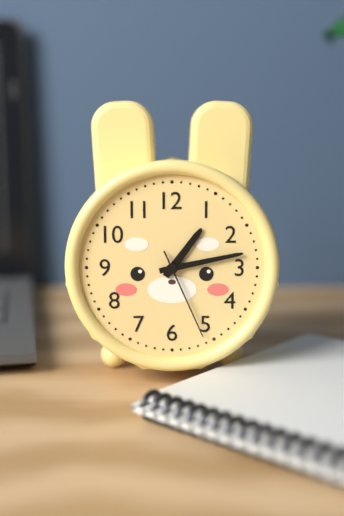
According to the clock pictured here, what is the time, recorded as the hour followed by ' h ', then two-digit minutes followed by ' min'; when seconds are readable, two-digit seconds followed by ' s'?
1 h 13 min 26 s
